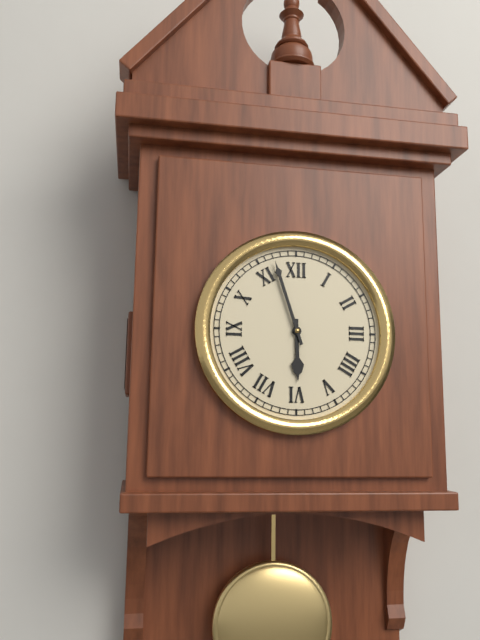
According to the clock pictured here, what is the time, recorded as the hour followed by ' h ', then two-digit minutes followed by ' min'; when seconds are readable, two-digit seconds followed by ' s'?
5 h 57 min
